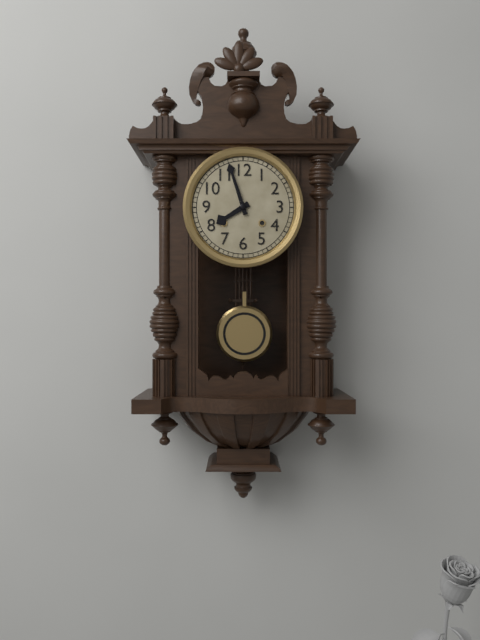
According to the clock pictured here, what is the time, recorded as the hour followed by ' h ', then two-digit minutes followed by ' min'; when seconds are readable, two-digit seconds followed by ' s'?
7 h 57 min
